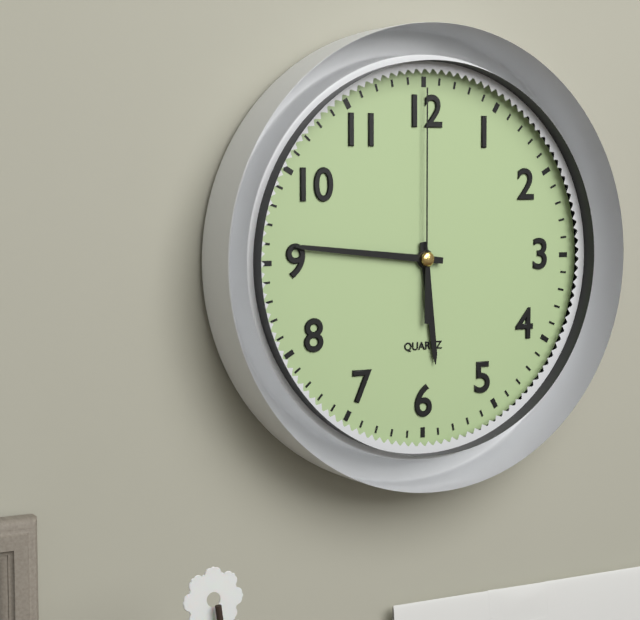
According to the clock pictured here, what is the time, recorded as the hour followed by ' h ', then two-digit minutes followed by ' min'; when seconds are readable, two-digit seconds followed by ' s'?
5 h 46 min 00 s
